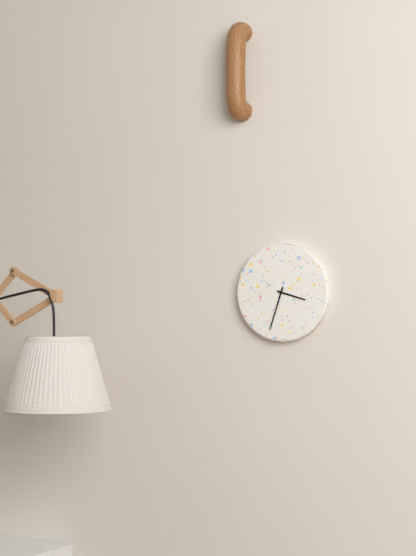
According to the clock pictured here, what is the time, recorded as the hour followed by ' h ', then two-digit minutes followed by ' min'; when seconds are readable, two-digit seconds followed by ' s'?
3 h 33 min
